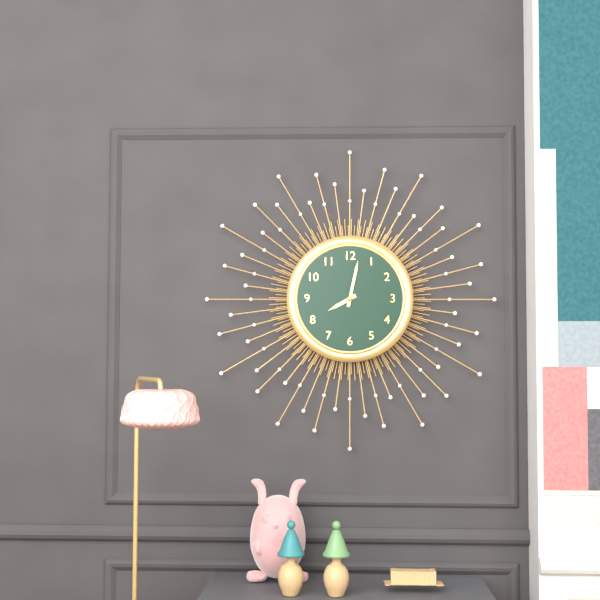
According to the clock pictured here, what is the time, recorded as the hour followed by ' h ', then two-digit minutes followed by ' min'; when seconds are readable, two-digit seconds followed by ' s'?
8 h 02 min
